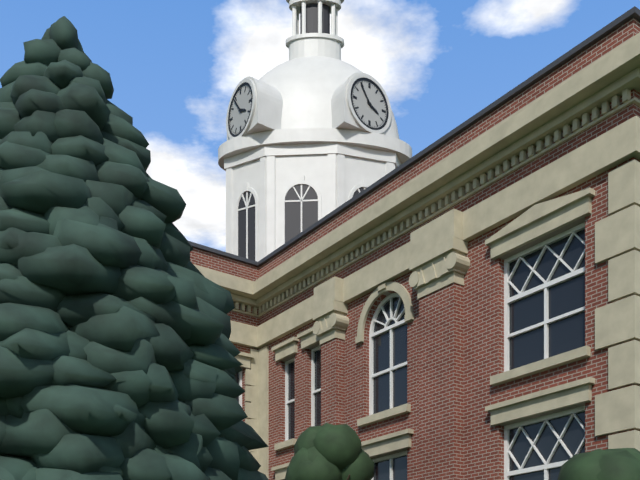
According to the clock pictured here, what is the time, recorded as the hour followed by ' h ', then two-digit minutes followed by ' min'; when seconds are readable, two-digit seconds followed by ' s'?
3 h 54 min
